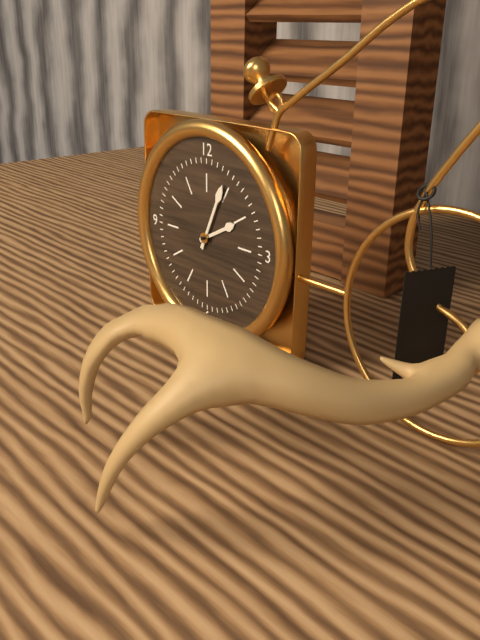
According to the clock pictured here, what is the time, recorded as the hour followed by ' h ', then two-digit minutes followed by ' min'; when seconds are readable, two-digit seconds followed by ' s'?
2 h 04 min
